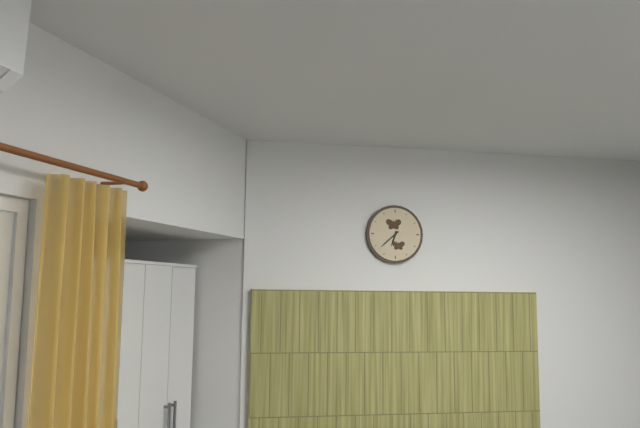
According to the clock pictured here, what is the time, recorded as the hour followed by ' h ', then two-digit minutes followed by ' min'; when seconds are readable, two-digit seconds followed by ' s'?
6 h 38 min
